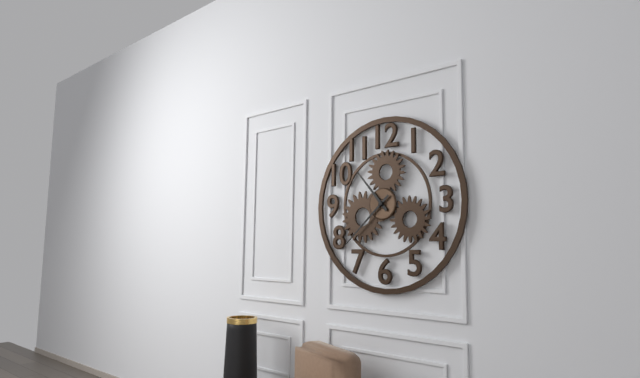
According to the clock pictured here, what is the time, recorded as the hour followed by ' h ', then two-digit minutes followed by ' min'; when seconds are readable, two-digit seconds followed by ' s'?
10 h 38 min
